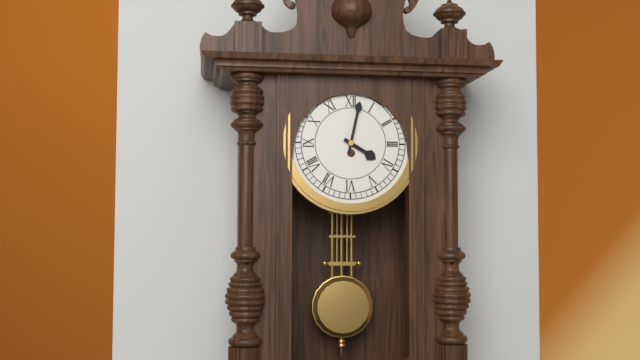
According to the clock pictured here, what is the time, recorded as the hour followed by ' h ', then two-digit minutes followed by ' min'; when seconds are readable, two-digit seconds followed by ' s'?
4 h 02 min
